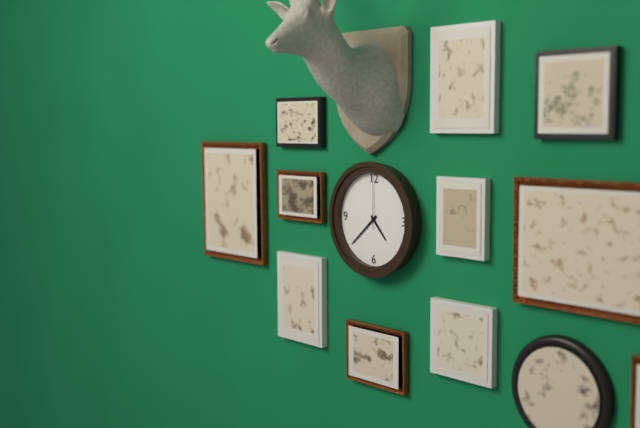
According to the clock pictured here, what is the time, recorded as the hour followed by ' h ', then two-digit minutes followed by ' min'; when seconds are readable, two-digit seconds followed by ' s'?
4 h 38 min 00 s
